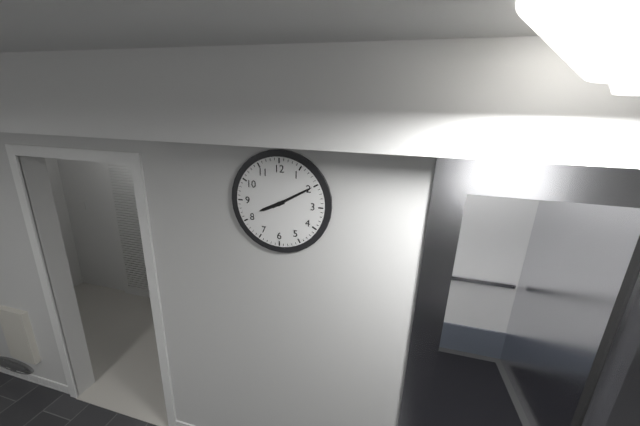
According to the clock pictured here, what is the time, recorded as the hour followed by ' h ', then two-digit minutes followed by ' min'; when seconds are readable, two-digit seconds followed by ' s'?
8 h 10 min
